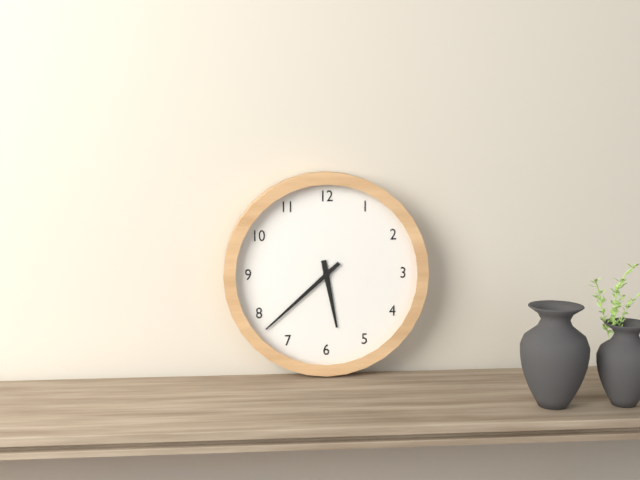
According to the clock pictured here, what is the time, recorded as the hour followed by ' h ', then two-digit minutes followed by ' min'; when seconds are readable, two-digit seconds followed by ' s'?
5 h 38 min
